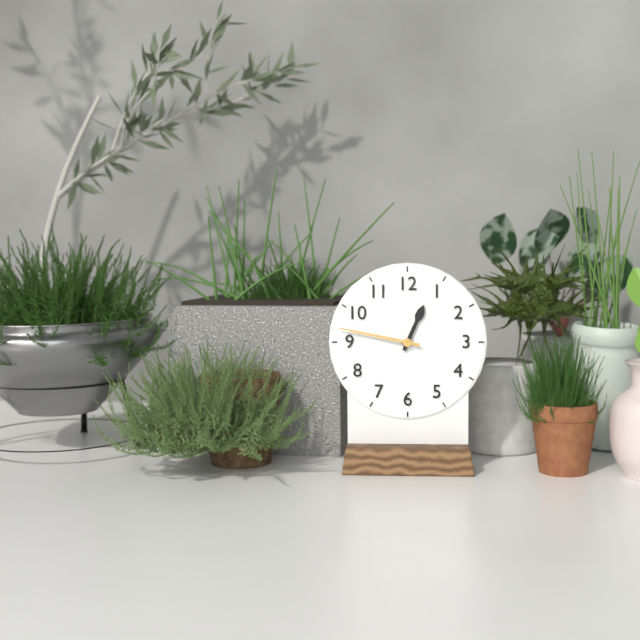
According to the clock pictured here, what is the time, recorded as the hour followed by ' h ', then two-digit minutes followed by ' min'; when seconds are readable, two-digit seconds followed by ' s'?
12 h 47 min
